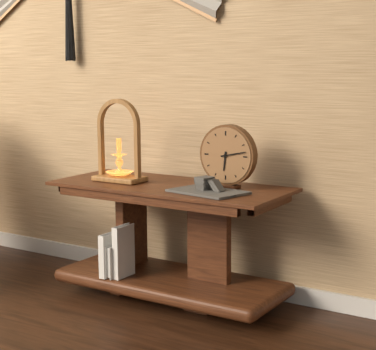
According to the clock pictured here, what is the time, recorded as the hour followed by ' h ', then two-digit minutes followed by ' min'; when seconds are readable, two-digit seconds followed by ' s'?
6 h 13 min
